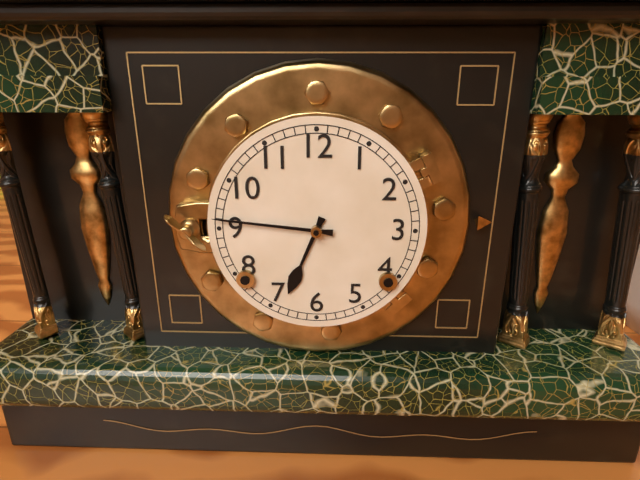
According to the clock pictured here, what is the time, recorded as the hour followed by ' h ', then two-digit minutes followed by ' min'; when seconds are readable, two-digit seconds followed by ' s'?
6 h 46 min
